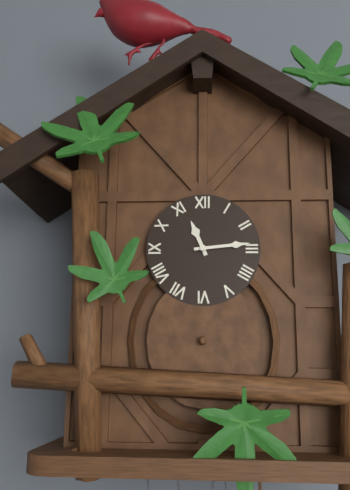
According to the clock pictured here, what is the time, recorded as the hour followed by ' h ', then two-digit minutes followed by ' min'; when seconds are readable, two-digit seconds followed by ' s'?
11 h 14 min
